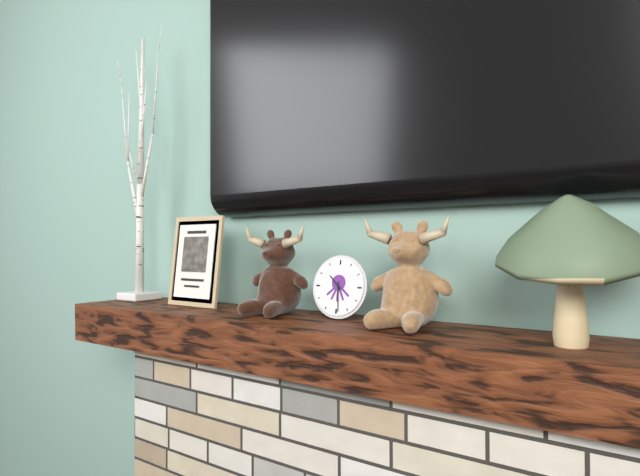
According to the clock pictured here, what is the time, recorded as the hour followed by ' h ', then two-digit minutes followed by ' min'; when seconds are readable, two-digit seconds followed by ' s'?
10 h 29 min
